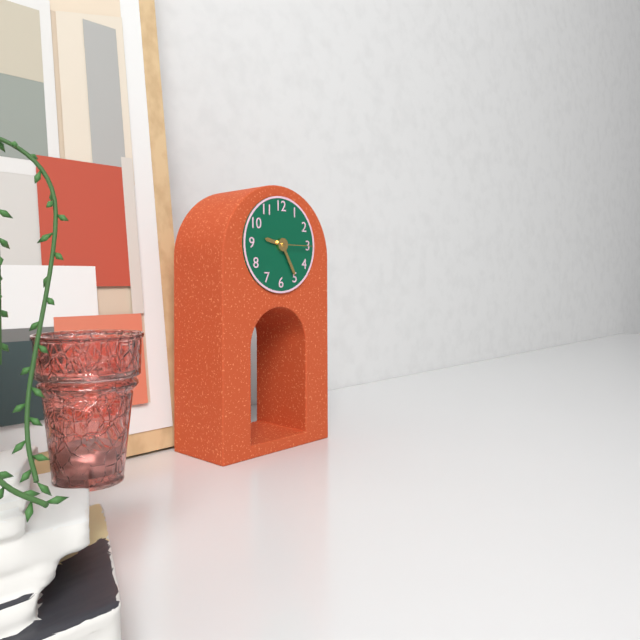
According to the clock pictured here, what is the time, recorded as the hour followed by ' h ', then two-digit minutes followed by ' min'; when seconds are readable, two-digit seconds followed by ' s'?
9 h 25 min
